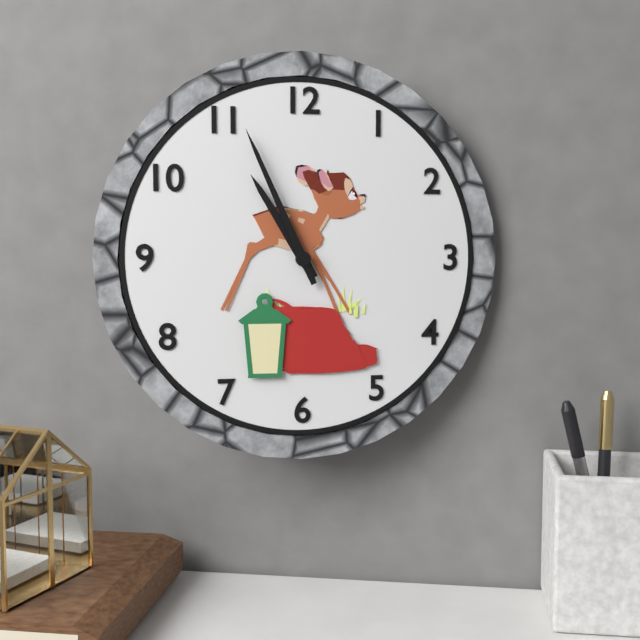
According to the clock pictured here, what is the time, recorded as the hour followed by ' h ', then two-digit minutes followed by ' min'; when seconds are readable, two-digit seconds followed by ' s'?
10 h 56 min
